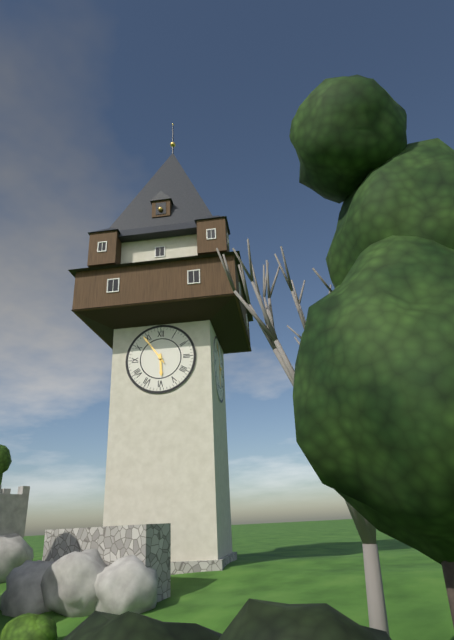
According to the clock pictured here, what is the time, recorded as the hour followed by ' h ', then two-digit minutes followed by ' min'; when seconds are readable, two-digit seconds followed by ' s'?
5 h 54 min
